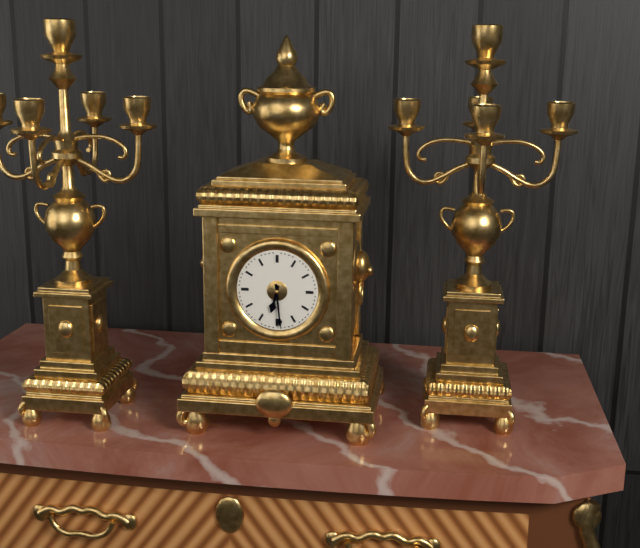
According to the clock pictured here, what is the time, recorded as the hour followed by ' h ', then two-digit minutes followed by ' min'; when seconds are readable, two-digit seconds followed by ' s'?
6 h 29 min
